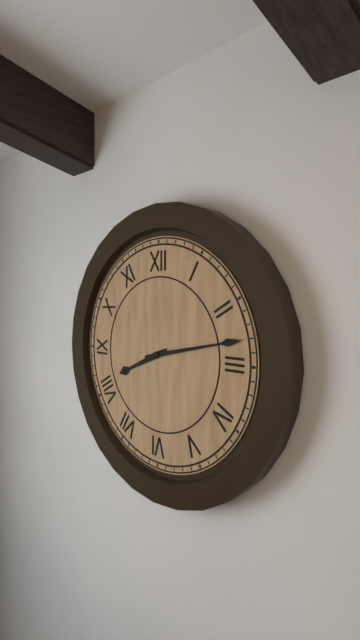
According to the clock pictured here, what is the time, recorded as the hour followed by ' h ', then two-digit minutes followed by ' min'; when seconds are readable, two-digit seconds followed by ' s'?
8 h 13 min
